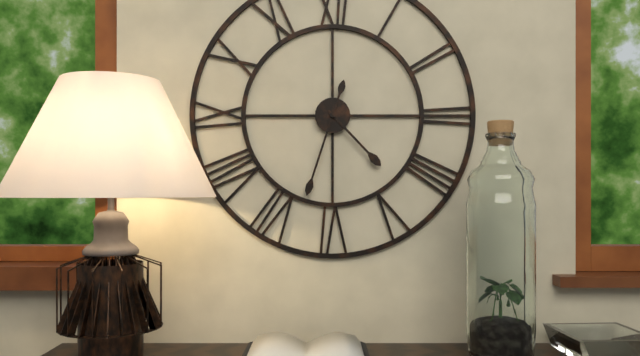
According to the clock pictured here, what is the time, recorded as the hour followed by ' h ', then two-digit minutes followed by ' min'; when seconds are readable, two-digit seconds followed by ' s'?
4 h 33 min
